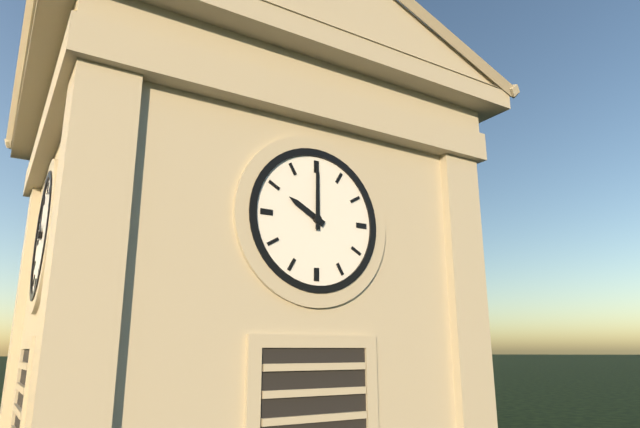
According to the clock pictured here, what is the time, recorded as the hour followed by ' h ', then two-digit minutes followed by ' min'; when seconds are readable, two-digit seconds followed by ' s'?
10 h 00 min
